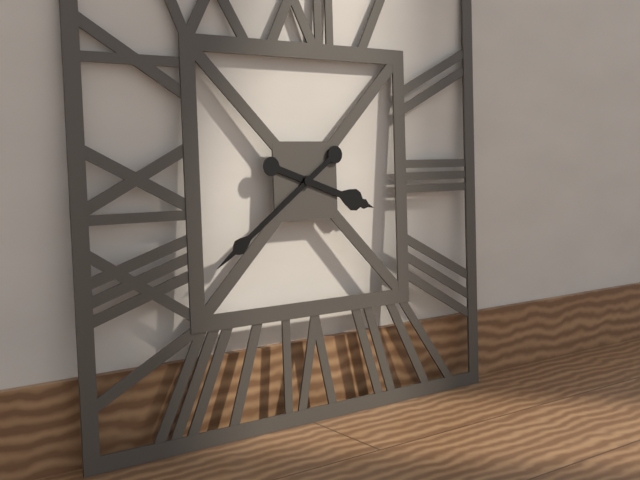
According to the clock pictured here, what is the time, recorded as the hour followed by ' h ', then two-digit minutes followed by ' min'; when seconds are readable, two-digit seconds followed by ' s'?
3 h 39 min
